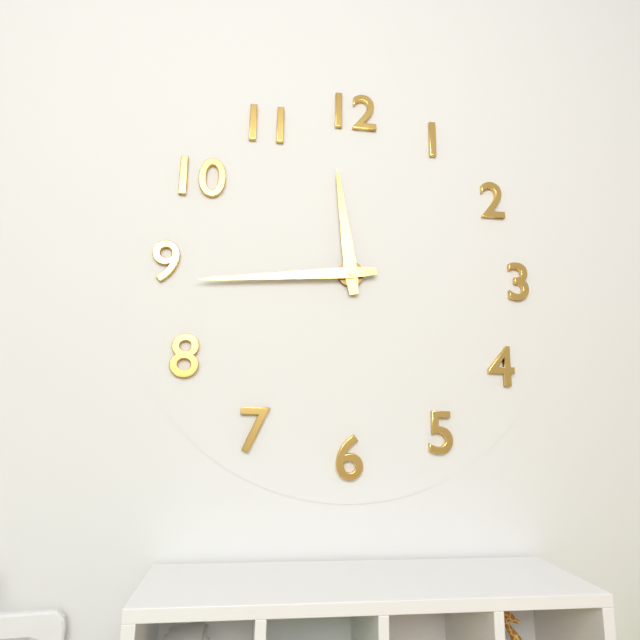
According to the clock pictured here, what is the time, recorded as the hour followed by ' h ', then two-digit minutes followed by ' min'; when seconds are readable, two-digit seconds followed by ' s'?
11 h 44 min
